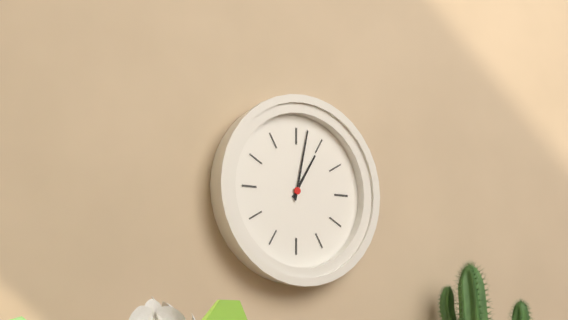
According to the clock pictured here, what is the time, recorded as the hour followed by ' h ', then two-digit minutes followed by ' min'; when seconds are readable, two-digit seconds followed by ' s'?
1 h 02 min
